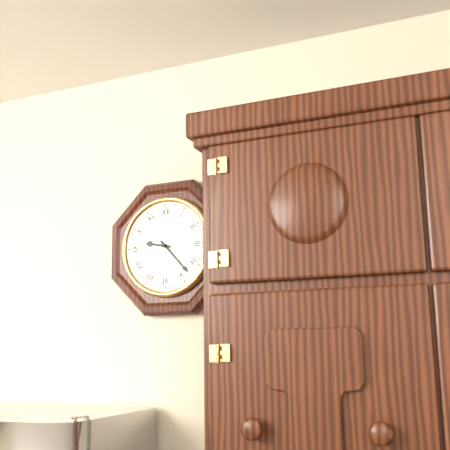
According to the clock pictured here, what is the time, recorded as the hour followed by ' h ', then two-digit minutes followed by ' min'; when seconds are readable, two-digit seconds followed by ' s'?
9 h 23 min
